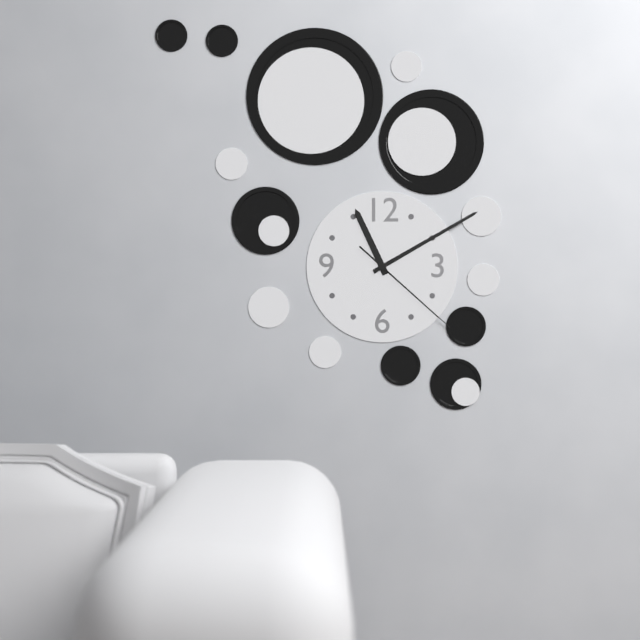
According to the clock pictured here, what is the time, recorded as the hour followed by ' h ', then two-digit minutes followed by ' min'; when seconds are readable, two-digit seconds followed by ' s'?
11 h 10 min 22 s
